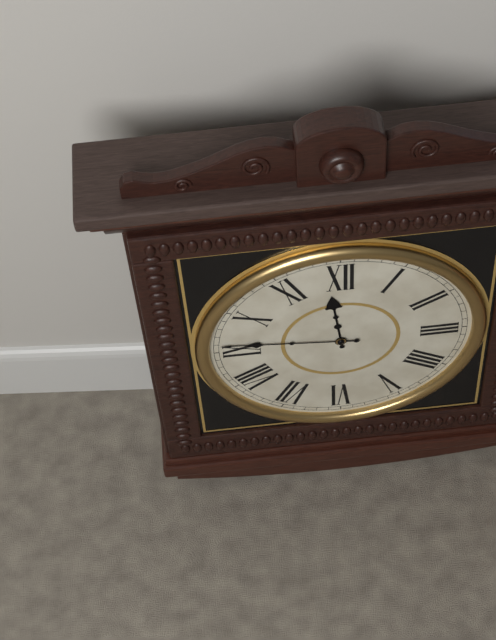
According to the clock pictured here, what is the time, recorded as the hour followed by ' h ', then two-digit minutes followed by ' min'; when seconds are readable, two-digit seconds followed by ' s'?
11 h 46 min
